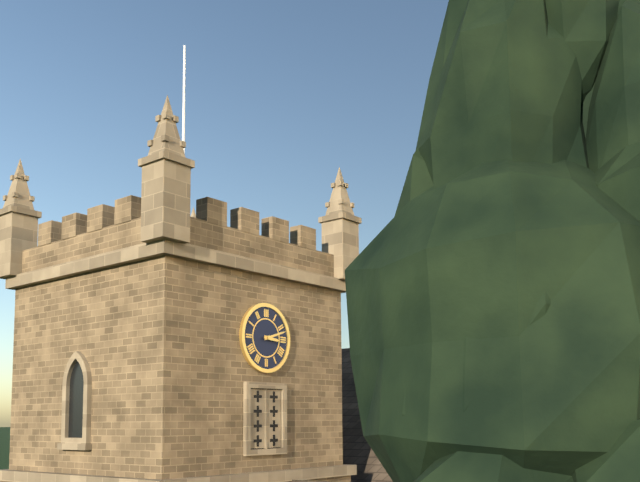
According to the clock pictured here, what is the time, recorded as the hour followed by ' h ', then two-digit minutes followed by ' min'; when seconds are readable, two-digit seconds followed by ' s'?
3 h 12 min
